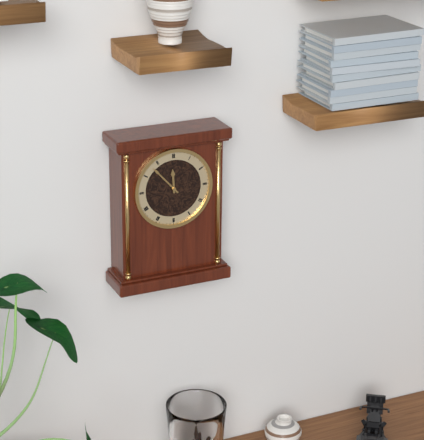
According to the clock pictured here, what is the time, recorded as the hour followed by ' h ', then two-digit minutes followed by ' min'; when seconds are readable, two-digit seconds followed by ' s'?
11 h 53 min
